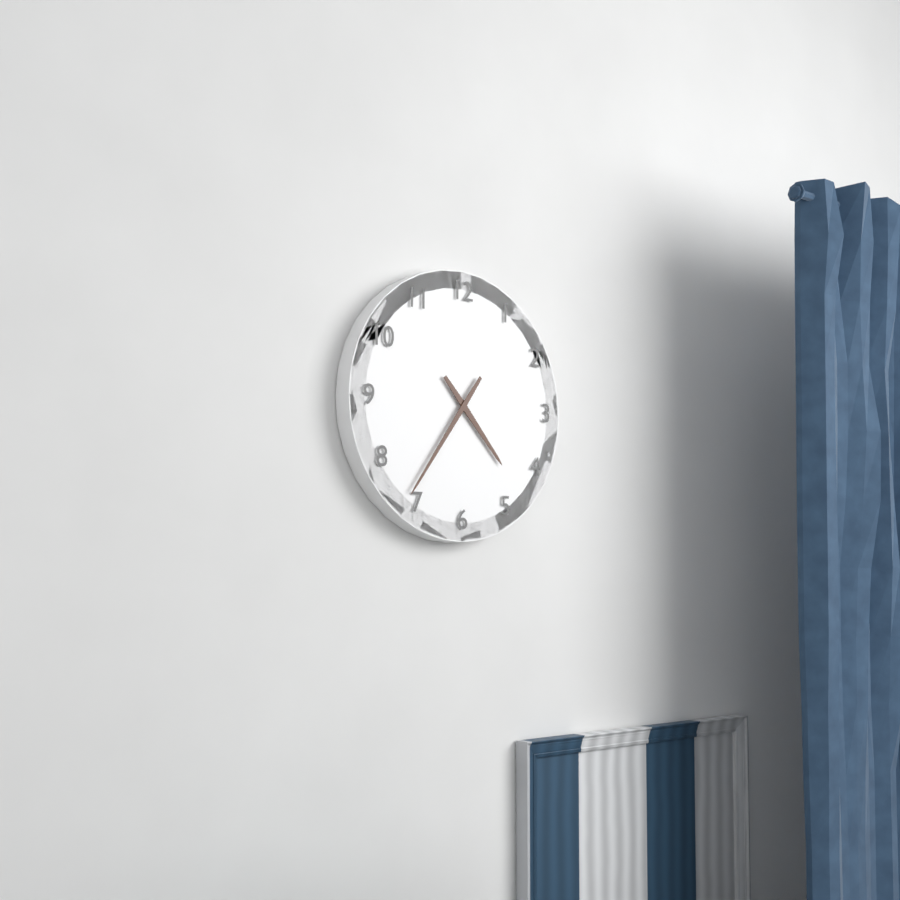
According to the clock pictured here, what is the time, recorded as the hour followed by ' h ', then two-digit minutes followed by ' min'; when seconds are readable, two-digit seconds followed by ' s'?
4 h 36 min
